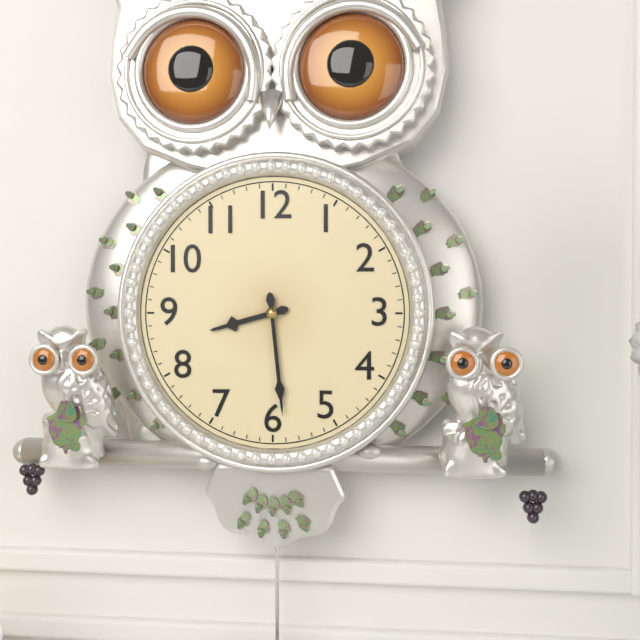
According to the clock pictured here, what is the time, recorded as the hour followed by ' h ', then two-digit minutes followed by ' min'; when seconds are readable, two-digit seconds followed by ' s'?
8 h 29 min
